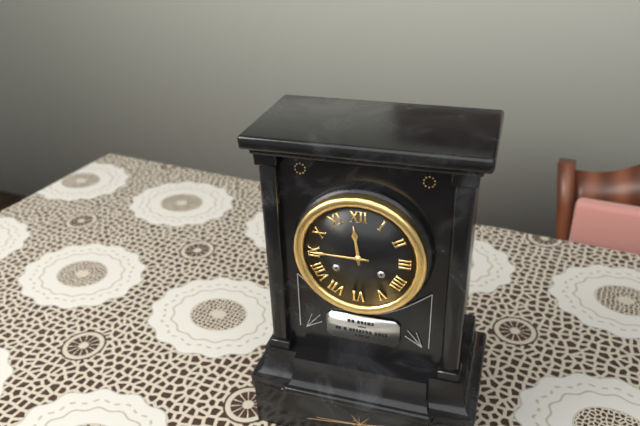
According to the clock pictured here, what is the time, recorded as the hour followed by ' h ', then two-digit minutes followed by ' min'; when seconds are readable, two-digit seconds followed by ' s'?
11 h 45 min
